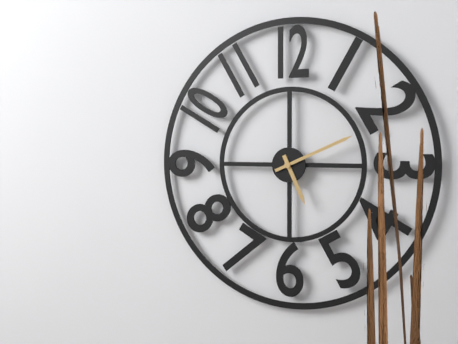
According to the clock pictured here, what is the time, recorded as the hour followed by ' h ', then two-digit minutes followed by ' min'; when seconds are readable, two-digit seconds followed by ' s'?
5 h 11 min
